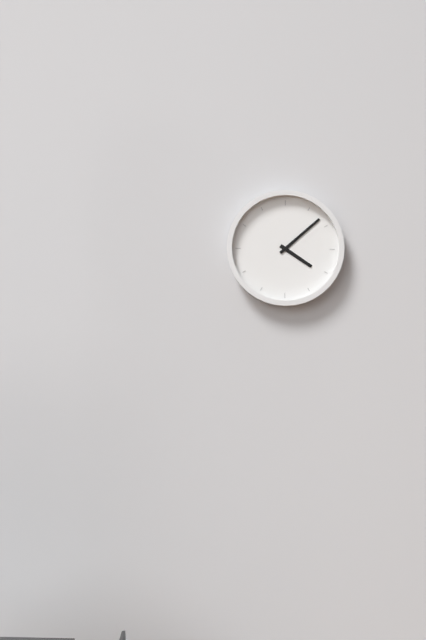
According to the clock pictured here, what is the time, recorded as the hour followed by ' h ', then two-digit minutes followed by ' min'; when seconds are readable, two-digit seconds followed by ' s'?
4 h 08 min
